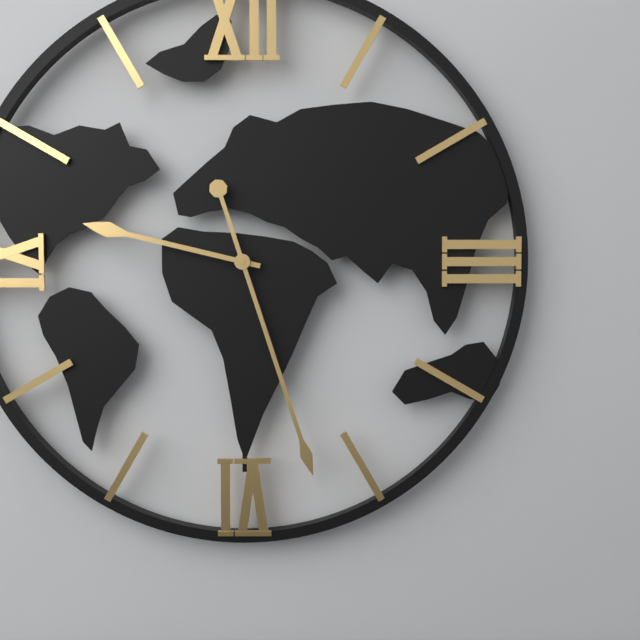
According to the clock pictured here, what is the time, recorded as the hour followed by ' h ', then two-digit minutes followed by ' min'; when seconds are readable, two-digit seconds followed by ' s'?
9 h 27 min
